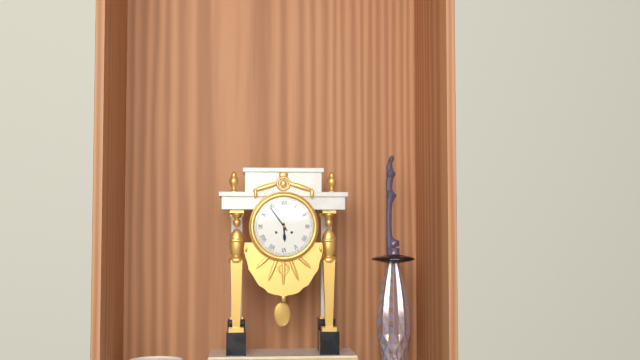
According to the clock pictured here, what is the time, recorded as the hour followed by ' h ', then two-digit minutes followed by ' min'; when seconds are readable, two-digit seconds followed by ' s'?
5 h 54 min
